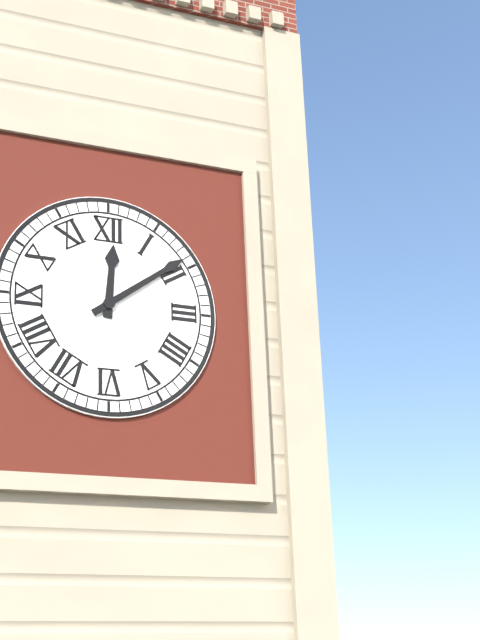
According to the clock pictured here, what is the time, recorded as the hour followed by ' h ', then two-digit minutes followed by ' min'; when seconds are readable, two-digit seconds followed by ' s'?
12 h 09 min
